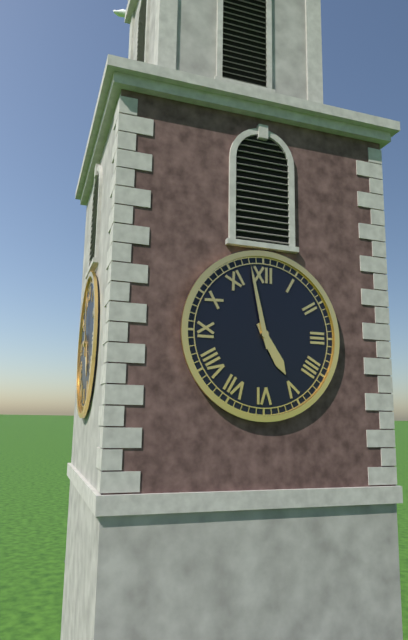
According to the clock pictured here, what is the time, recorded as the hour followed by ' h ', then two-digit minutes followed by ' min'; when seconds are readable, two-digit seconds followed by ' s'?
4 h 58 min
